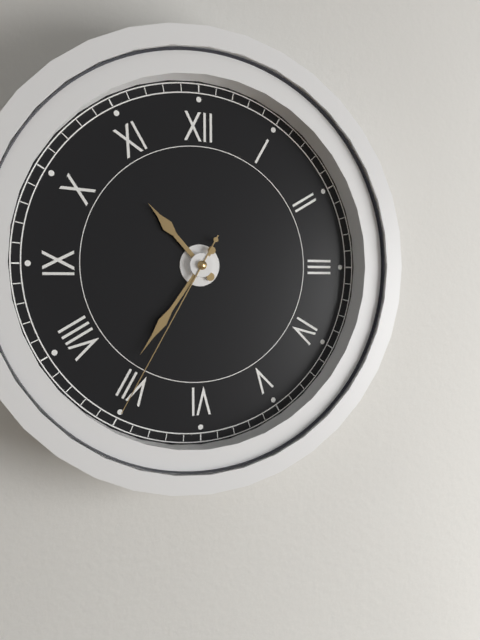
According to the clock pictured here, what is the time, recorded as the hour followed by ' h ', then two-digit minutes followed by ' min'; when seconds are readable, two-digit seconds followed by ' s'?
10 h 36 min 35 s
